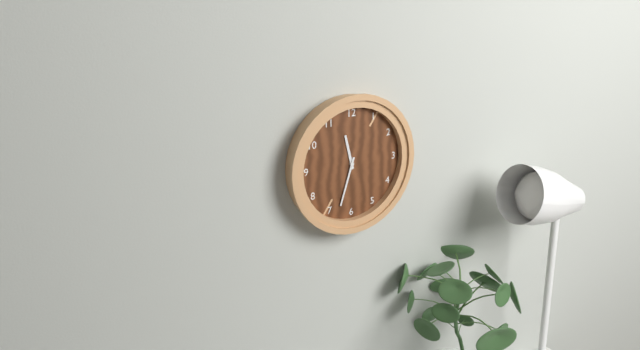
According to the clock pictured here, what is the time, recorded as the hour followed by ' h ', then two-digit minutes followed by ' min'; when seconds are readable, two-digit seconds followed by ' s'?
11 h 33 min
